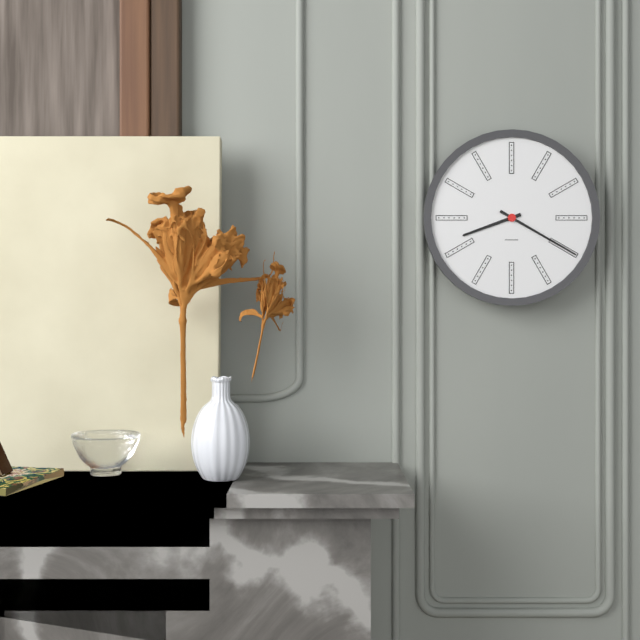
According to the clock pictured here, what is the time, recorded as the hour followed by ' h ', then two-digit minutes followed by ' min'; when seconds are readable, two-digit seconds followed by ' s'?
8 h 20 min
